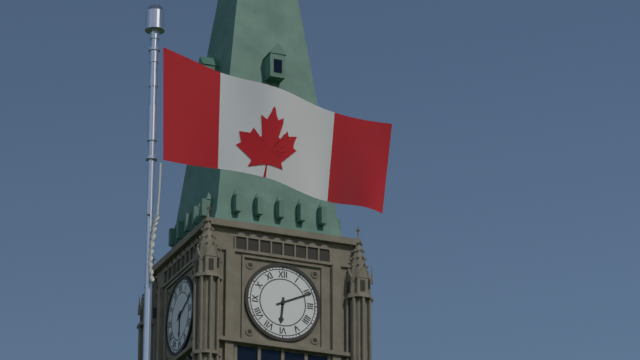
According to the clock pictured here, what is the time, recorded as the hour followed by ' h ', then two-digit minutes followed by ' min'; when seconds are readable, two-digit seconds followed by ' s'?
6 h 11 min
